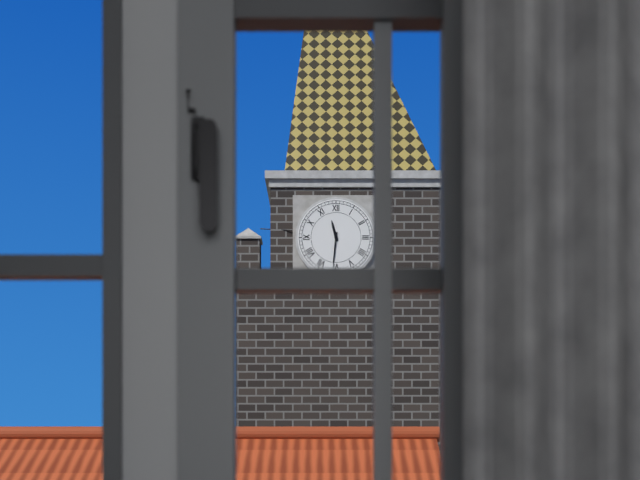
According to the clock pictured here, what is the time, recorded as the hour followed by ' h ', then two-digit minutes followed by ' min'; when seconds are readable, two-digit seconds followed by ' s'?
11 h 31 min
